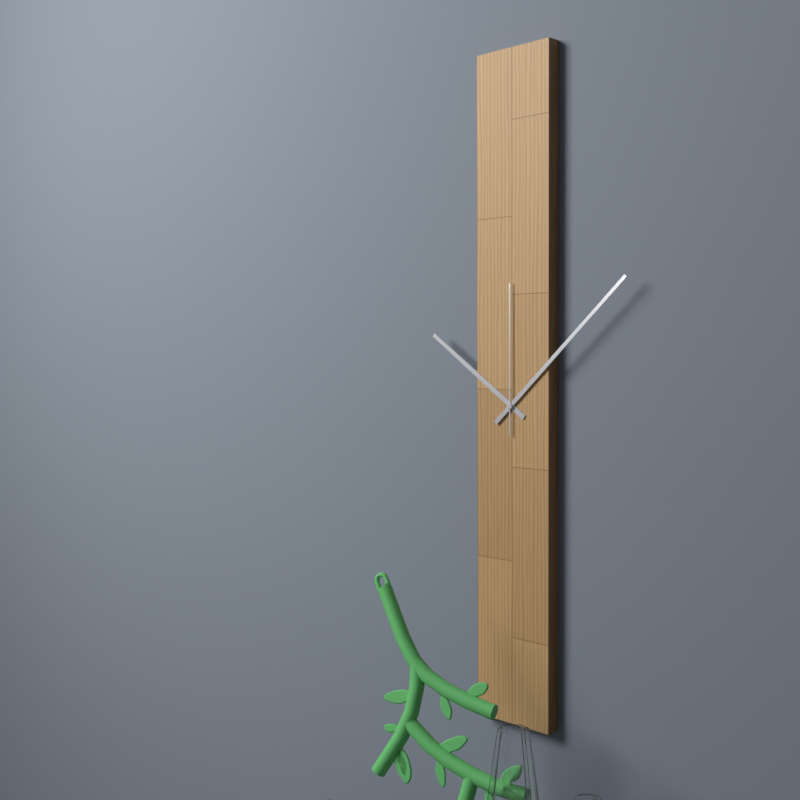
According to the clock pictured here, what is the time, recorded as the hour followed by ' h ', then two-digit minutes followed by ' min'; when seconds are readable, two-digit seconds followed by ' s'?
10 h 08 min 00 s
